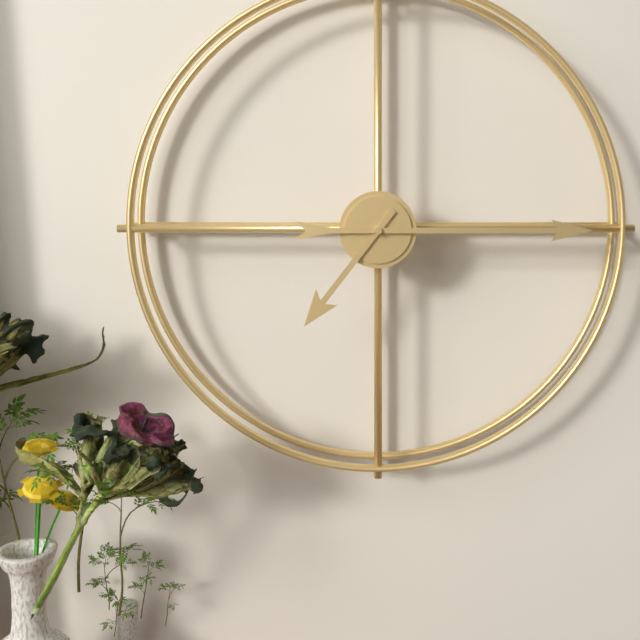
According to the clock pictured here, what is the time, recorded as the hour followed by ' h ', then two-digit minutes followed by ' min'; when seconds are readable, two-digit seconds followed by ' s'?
7 h 15 min
